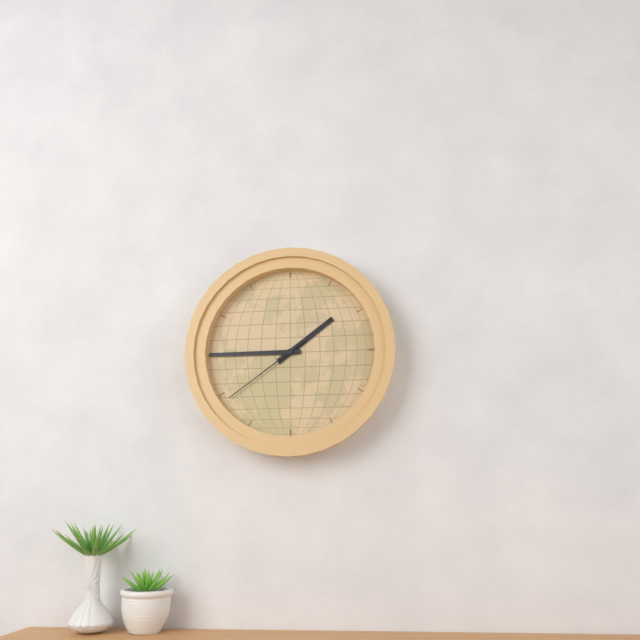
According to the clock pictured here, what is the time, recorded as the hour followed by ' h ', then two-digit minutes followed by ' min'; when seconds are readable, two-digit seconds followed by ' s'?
1 h 45 min 39 s
